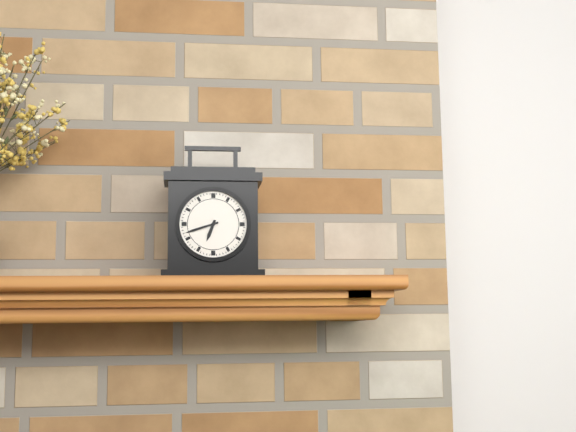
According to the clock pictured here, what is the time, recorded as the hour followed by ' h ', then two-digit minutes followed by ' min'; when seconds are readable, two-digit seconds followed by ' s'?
6 h 42 min
